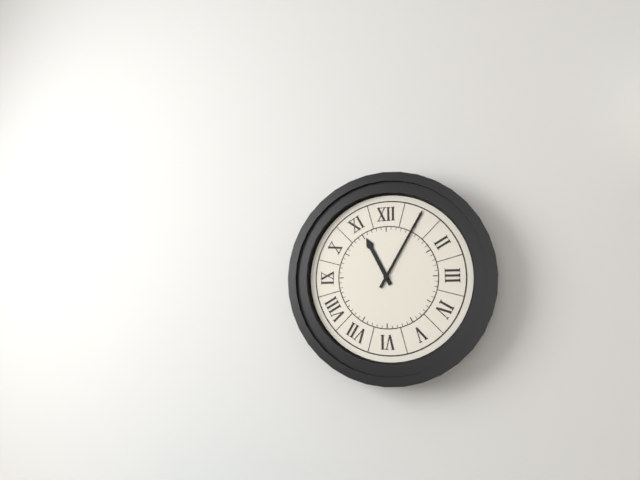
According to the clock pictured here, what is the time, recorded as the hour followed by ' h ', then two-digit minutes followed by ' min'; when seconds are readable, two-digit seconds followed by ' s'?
11 h 05 min
